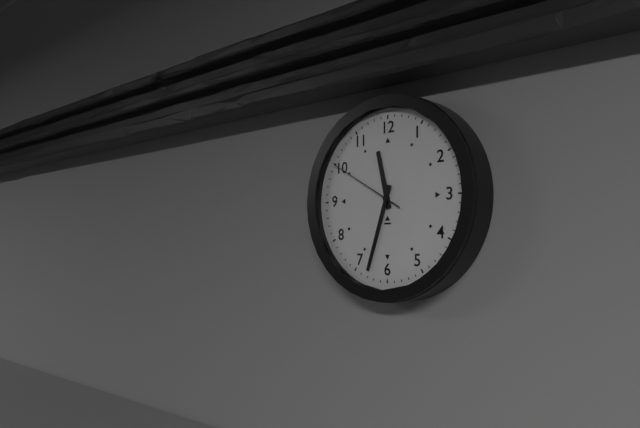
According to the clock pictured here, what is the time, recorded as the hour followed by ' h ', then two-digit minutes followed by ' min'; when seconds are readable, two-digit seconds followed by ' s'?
11 h 33 min 50 s
